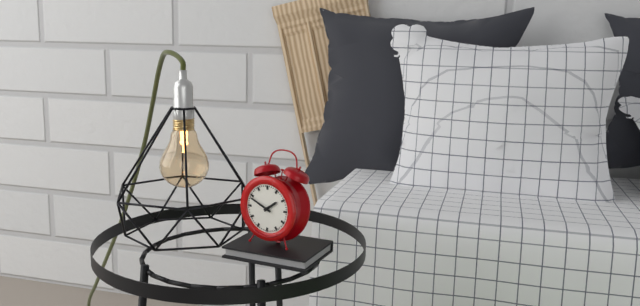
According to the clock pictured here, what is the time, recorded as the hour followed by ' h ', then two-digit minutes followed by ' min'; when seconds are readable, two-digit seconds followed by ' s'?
1 h 49 min
